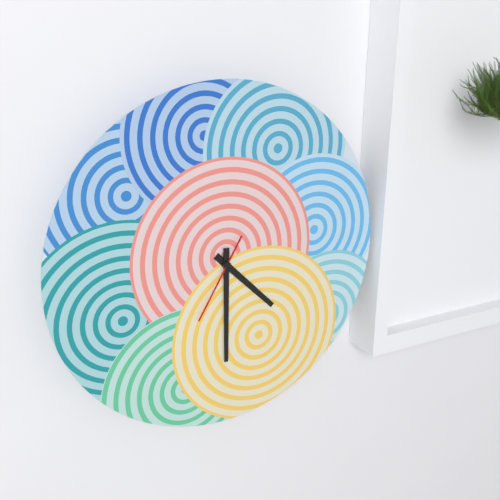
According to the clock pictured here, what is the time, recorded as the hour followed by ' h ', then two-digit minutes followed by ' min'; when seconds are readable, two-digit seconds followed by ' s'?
4 h 30 min 35 s
